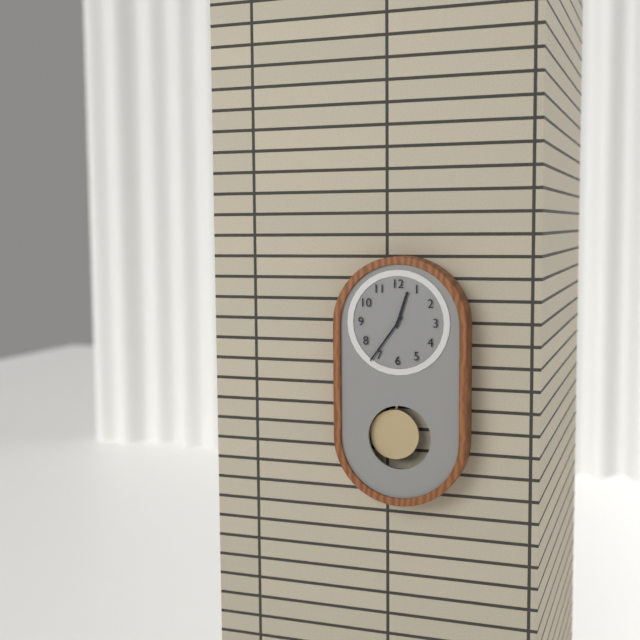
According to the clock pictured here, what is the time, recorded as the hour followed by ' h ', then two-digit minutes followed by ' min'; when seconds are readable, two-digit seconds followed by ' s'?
12 h 36 min
